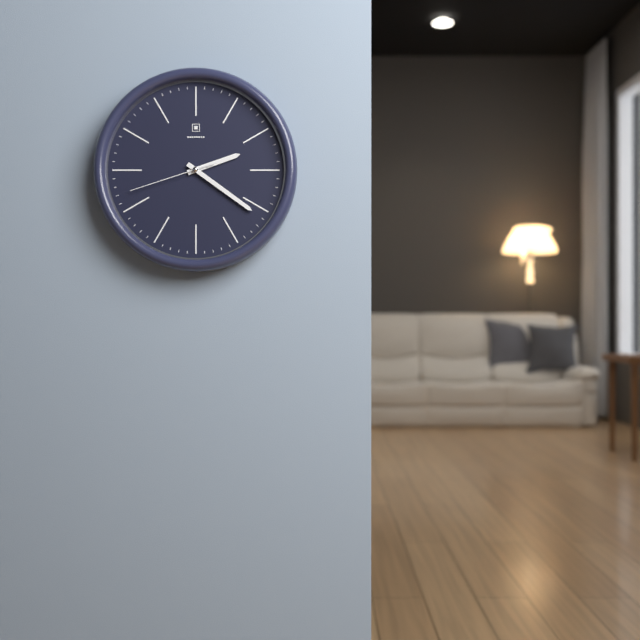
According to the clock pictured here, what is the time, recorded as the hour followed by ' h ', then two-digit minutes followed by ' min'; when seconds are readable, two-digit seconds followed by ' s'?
2 h 21 min 42 s
